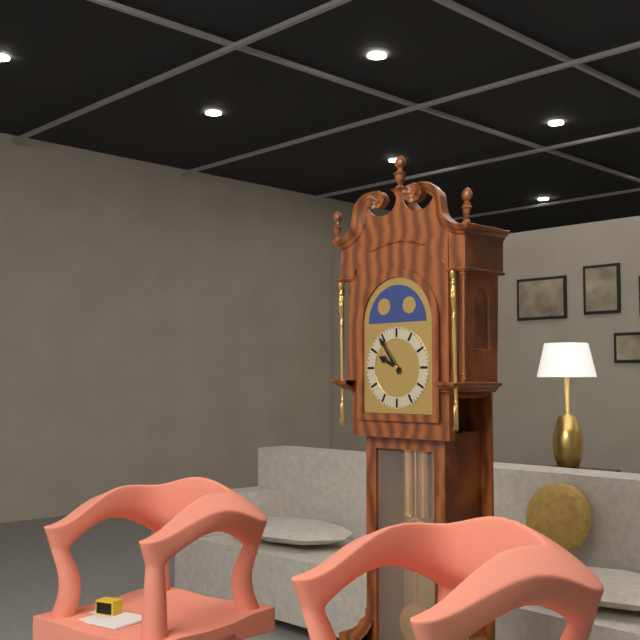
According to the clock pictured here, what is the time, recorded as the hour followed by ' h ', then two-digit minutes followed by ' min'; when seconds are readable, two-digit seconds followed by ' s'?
9 h 54 min
